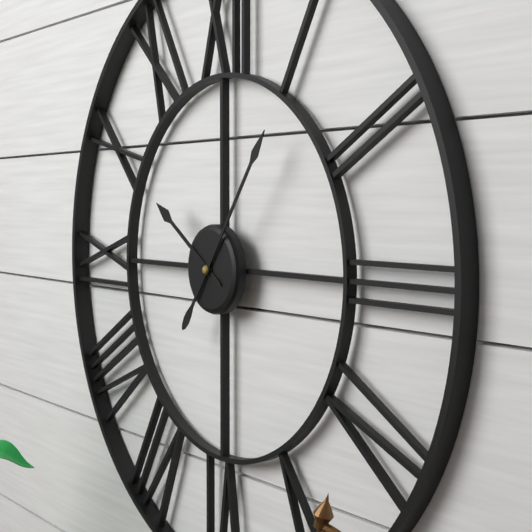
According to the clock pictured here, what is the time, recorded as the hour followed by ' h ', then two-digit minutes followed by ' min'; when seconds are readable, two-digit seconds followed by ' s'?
10 h 06 min
